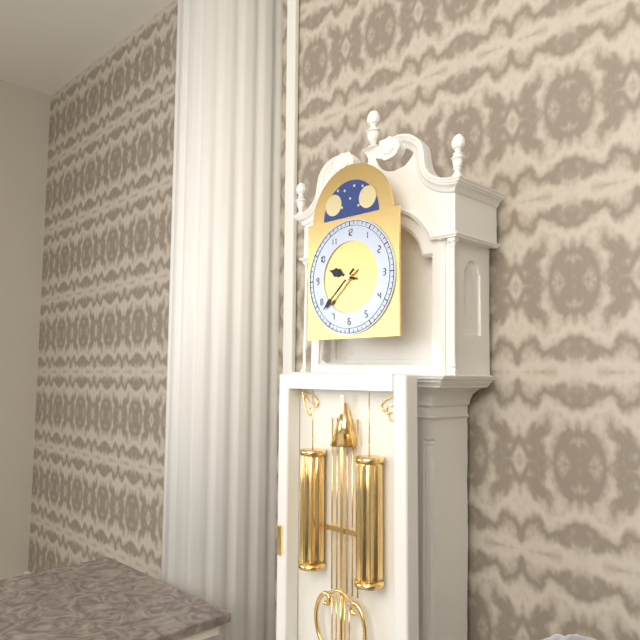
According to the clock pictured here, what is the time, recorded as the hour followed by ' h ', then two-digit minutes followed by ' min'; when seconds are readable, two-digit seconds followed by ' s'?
9 h 38 min
